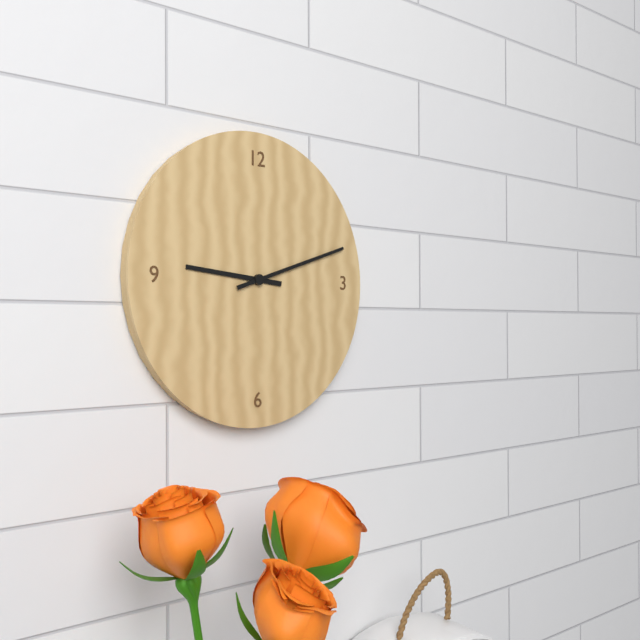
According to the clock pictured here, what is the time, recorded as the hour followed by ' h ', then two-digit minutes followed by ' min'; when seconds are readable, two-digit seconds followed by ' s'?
9 h 12 min
